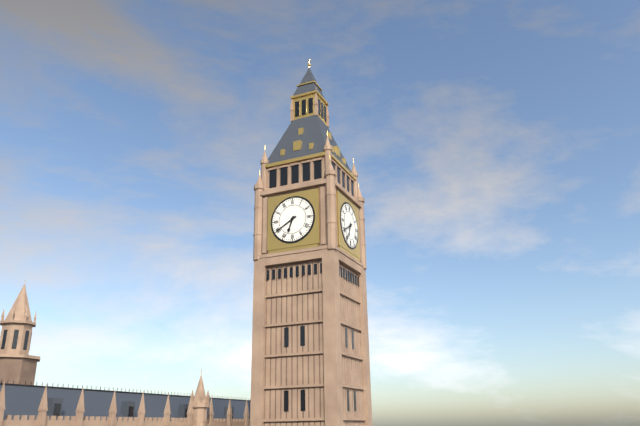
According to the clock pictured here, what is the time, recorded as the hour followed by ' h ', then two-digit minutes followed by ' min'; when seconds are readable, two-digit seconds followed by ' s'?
6 h 40 min
